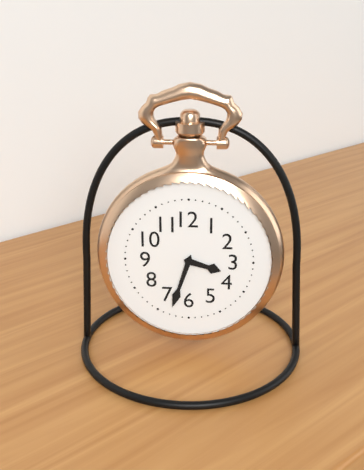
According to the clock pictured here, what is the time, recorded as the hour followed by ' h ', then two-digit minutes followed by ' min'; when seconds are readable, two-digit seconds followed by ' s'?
3 h 33 min
